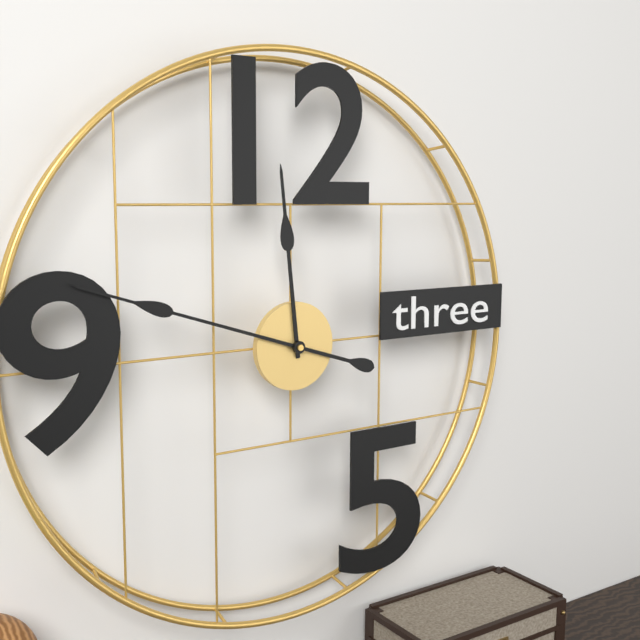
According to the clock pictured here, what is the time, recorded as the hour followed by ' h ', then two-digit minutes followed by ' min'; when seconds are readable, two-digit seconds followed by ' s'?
11 h 48 min
